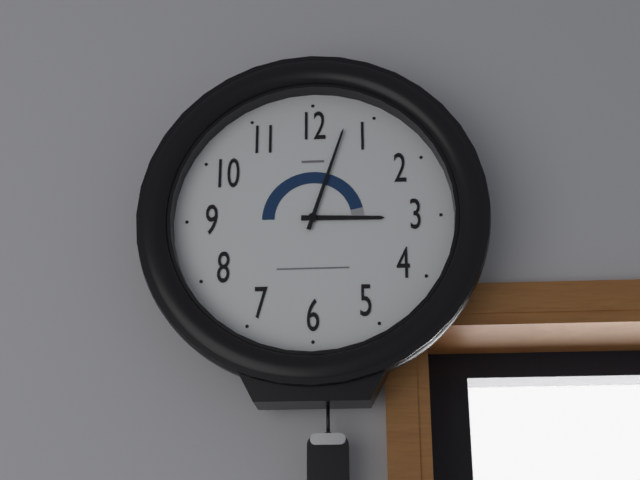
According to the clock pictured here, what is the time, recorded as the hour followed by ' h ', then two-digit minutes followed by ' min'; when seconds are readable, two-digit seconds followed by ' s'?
3 h 03 min
